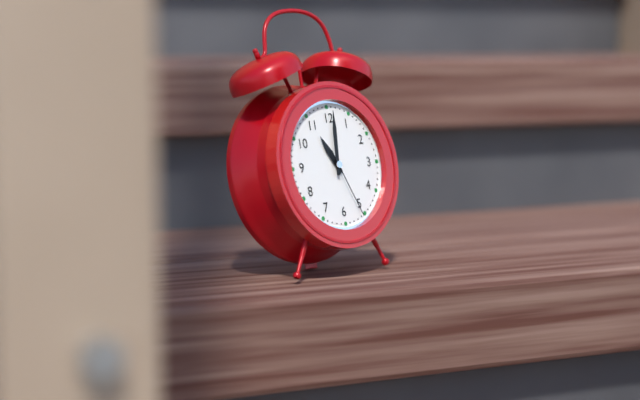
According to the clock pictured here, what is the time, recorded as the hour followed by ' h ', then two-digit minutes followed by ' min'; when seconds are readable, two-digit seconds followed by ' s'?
11 h 01 min 26 s
